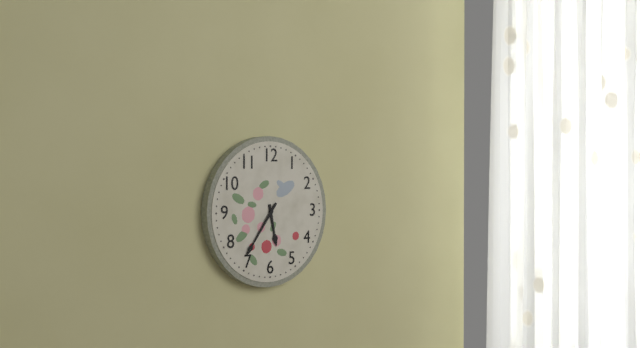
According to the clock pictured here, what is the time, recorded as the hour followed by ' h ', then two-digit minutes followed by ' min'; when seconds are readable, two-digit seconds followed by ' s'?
5 h 36 min
